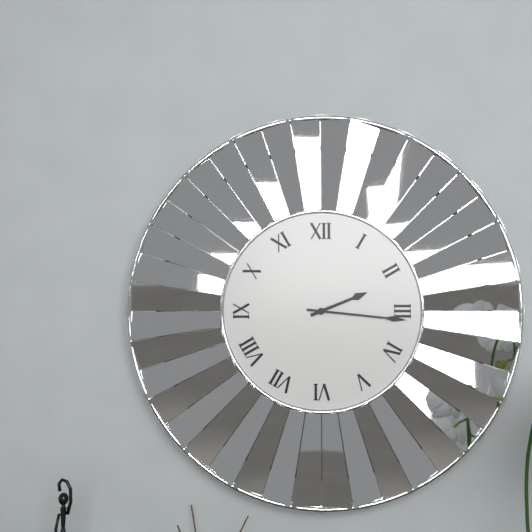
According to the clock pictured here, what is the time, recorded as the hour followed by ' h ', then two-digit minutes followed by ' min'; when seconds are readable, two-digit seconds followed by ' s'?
2 h 16 min
